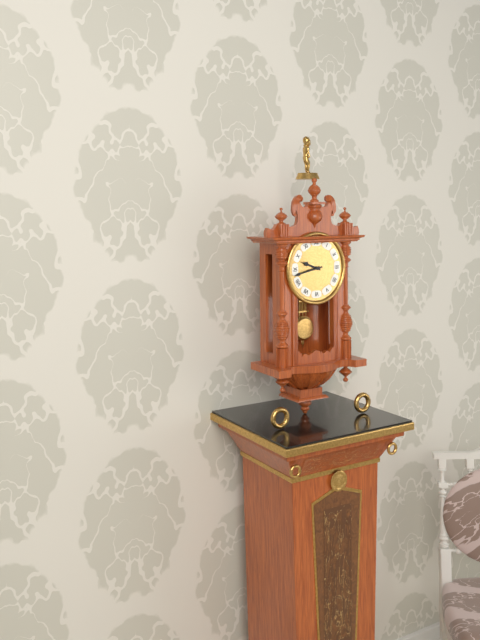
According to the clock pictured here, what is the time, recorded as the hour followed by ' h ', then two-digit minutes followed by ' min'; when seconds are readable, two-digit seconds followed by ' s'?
9 h 43 min
